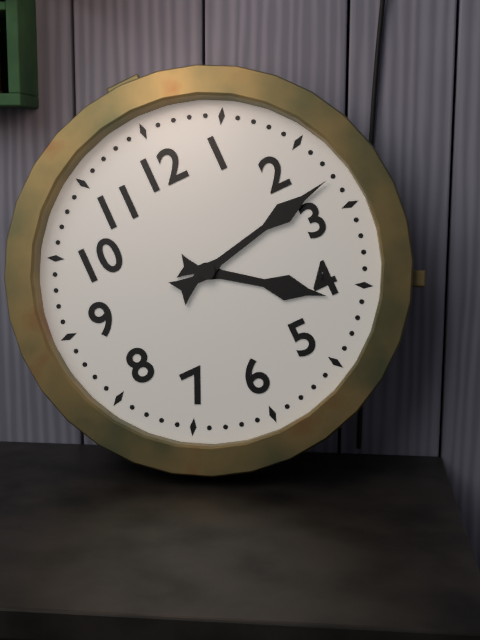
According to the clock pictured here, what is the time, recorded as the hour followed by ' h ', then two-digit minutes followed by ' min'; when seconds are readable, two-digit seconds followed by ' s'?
4 h 13 min
